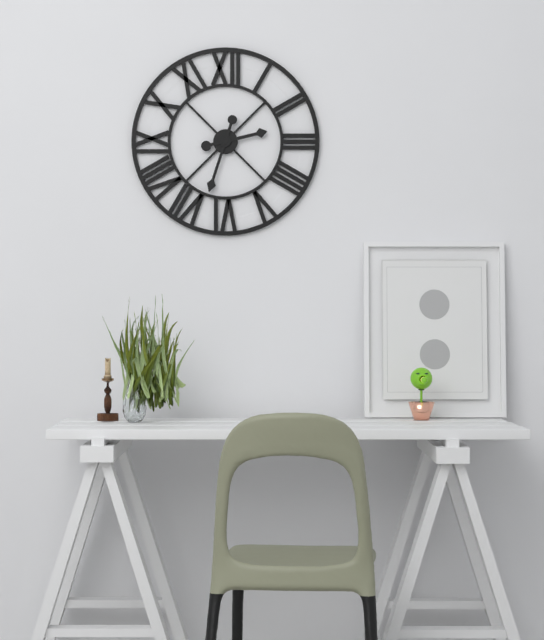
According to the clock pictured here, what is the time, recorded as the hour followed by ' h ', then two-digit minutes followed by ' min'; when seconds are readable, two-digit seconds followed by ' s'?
2 h 33 min
